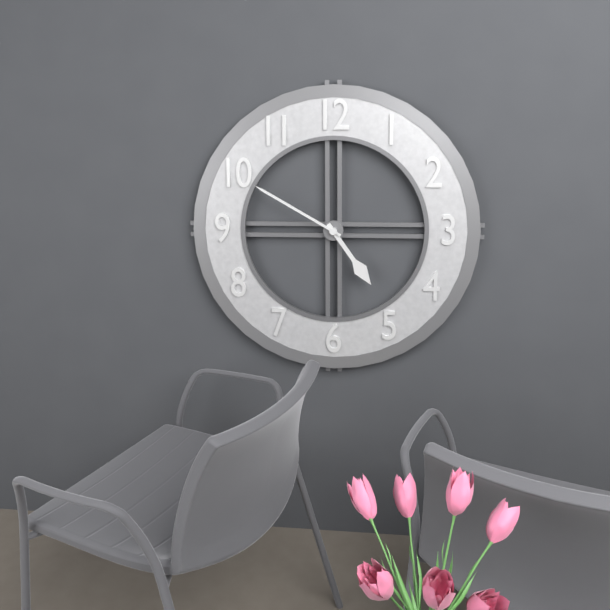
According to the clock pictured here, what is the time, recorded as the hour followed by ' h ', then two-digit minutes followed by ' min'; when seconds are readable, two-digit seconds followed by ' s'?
4 h 50 min
